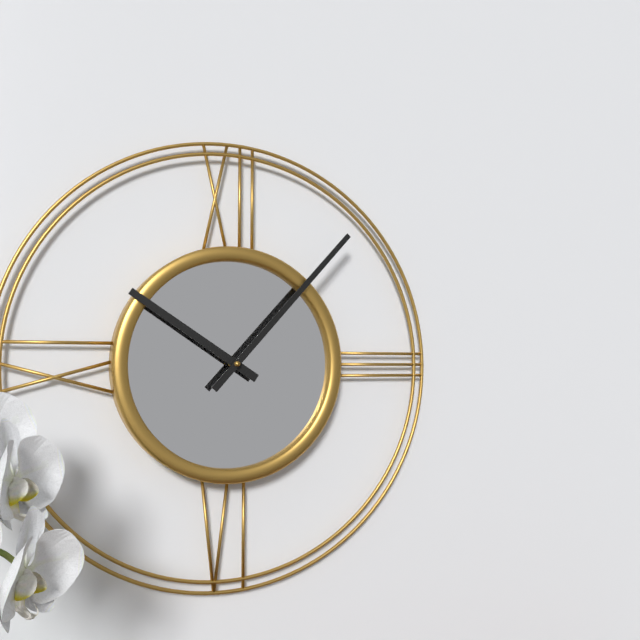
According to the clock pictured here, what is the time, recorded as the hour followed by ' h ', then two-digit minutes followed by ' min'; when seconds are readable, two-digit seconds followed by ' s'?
10 h 07 min
